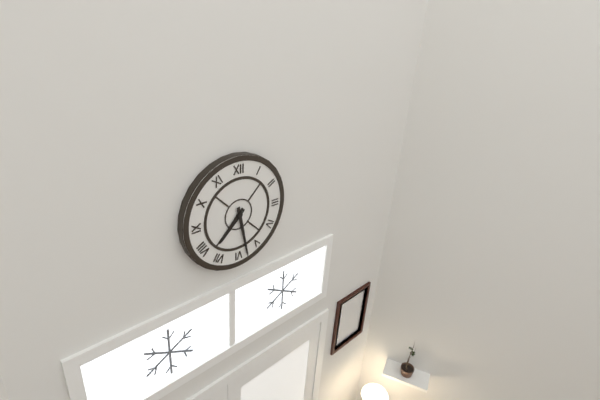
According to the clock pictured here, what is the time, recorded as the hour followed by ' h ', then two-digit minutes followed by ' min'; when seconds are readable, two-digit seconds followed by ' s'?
7 h 28 min
